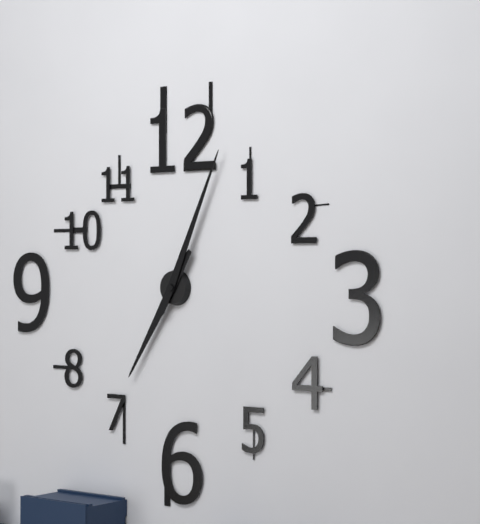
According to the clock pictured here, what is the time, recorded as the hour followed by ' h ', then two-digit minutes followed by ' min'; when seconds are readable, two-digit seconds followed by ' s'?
7 h 04 min
